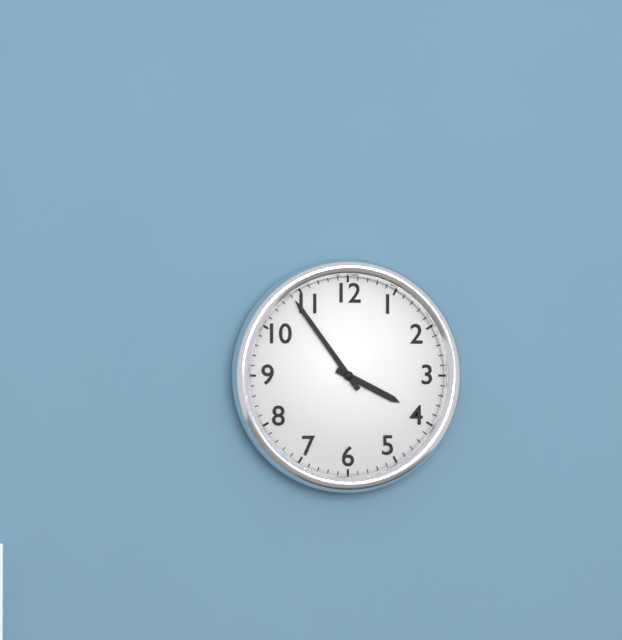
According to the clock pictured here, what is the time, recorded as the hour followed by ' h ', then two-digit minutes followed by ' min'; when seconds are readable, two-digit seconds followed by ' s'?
3 h 54 min
